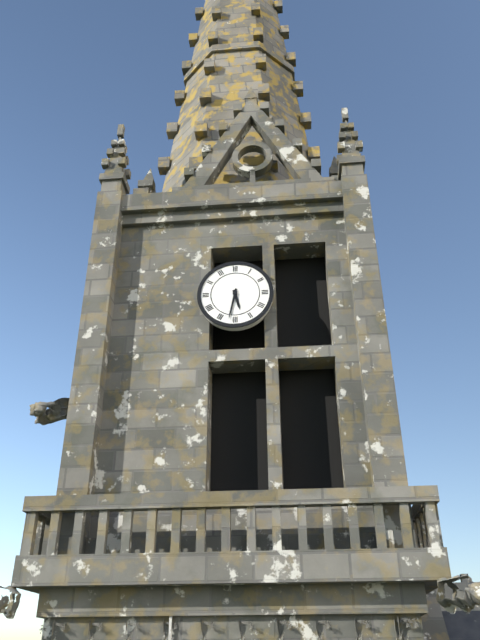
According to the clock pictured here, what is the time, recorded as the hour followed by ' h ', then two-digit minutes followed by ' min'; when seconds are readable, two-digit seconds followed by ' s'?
5 h 32 min
